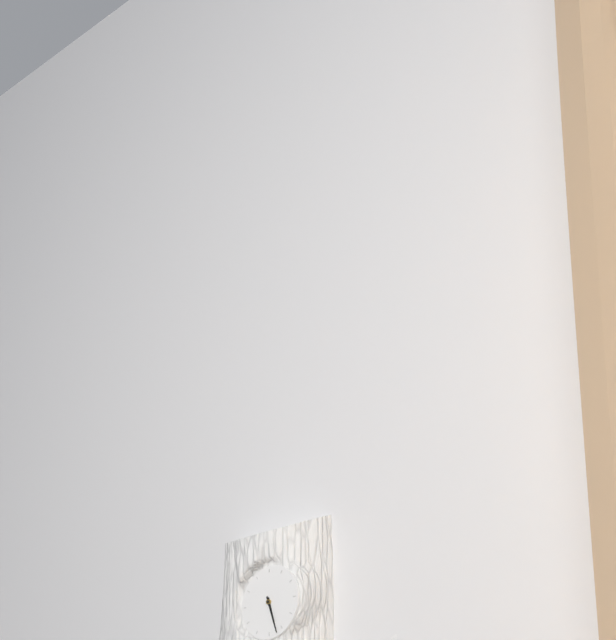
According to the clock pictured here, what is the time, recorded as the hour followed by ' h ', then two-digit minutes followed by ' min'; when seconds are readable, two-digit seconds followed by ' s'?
5 h 27 min
